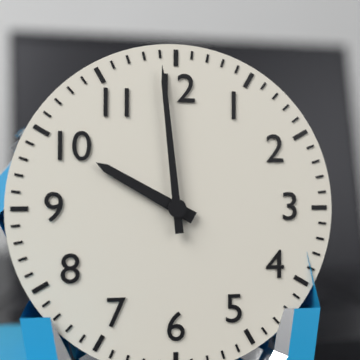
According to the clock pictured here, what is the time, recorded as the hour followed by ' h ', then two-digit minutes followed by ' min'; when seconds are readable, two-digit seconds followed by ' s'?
9 h 59 min
